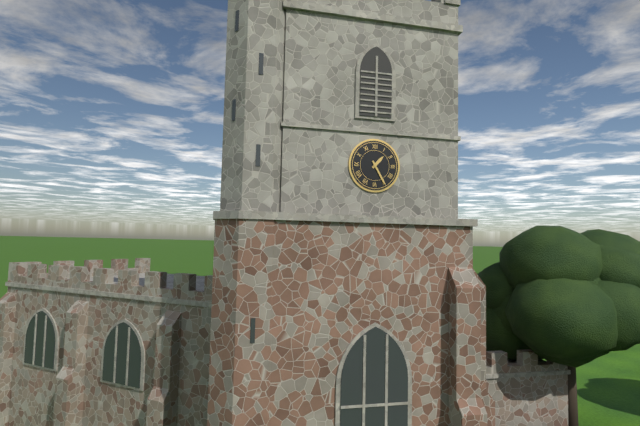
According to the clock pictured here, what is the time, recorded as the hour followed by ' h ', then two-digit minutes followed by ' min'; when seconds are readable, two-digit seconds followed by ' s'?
1 h 25 min
